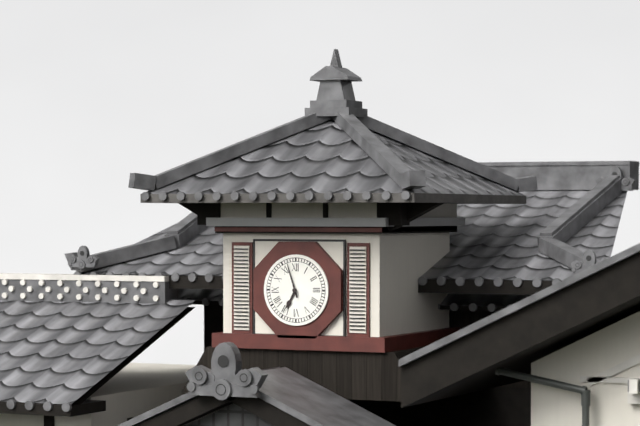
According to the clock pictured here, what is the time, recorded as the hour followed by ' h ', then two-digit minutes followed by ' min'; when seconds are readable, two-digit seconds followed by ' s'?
6 h 57 min
